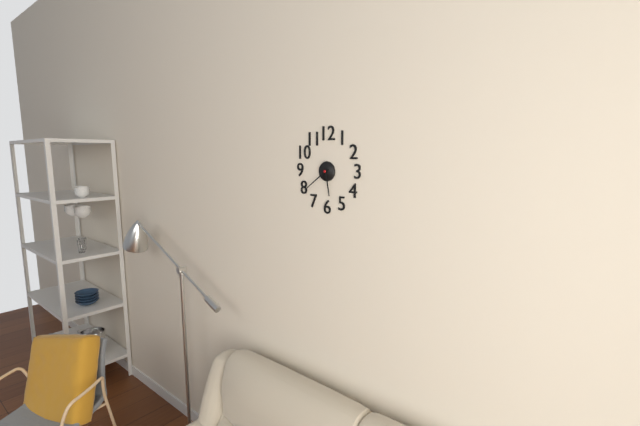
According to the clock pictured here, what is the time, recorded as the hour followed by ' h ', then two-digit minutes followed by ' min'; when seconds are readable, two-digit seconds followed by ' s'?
5 h 39 min
